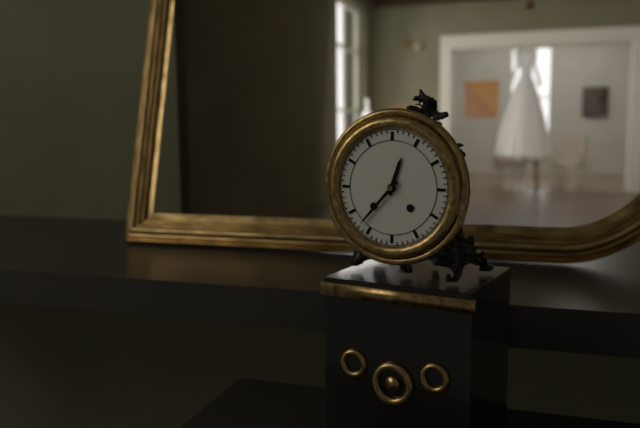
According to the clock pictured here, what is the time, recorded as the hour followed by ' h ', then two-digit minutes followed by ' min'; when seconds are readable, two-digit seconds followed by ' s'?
12 h 37 min
